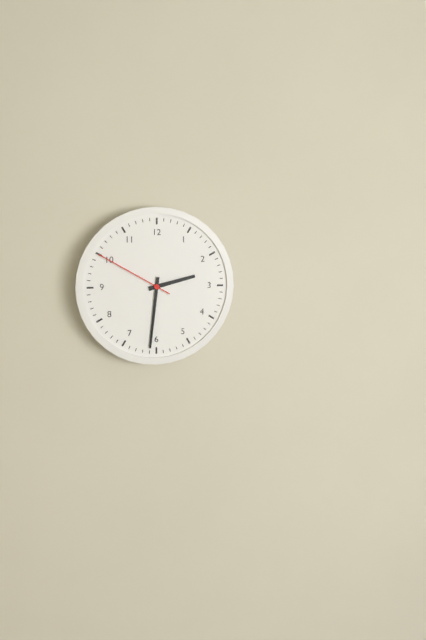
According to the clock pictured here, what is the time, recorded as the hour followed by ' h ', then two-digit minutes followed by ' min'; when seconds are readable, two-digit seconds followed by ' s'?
2 h 31 min 50 s
